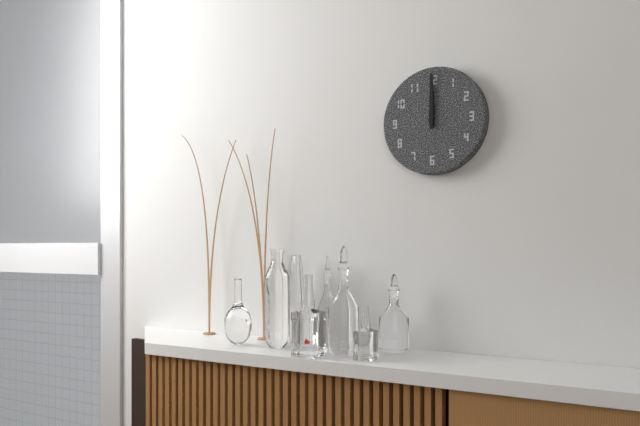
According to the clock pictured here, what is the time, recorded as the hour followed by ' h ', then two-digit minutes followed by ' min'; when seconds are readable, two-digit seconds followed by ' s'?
12 h 00 min
